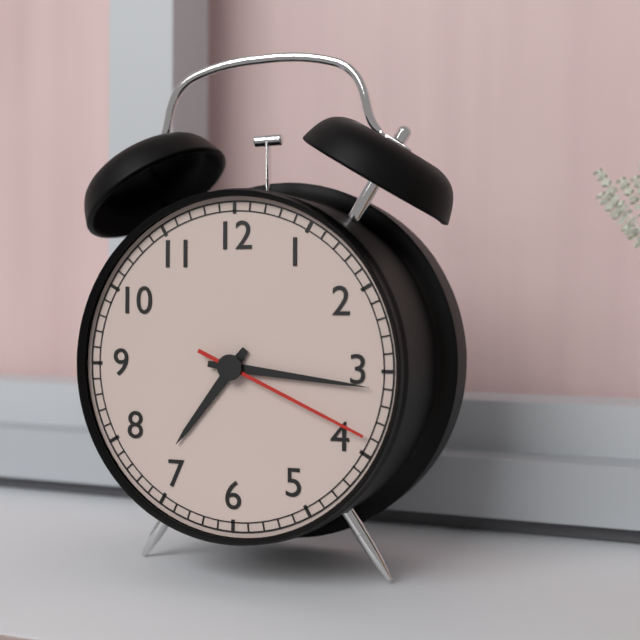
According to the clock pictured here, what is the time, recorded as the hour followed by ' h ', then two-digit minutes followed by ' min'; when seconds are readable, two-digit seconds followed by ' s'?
7 h 16 min 19 s
